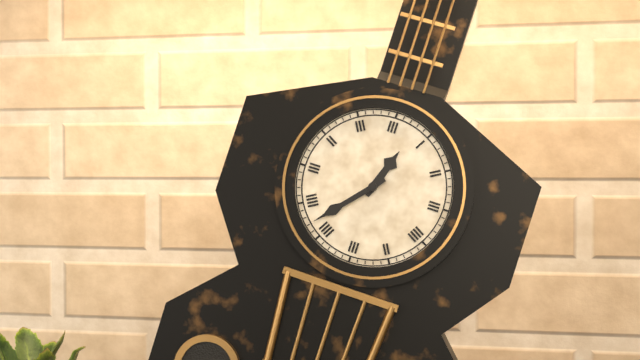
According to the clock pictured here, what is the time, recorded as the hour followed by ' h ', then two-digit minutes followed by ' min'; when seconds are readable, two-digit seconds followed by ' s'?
12 h 37 min
